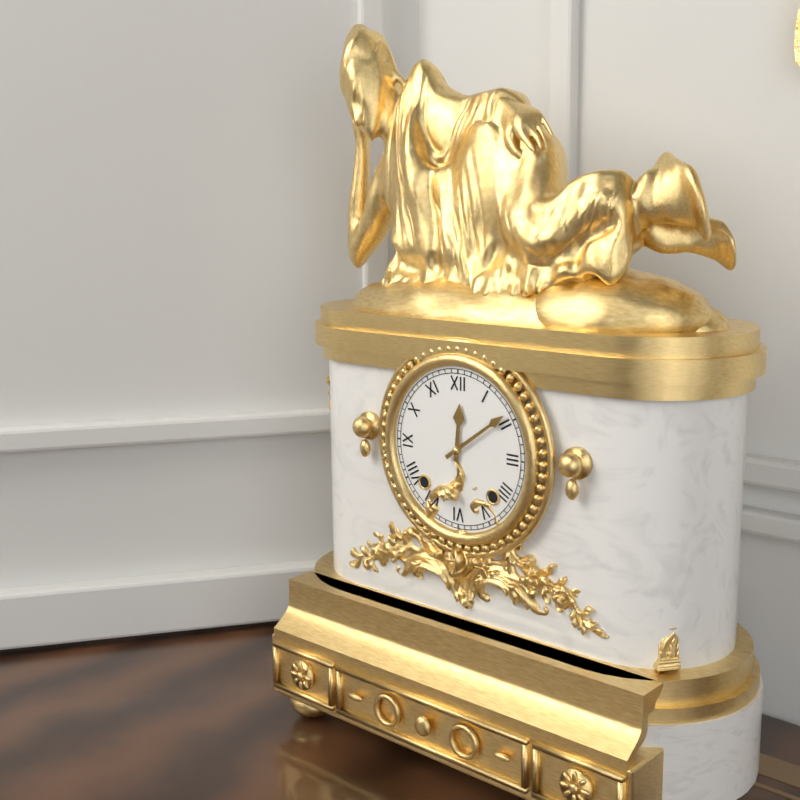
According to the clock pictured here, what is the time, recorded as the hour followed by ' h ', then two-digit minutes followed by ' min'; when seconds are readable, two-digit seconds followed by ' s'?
12 h 09 min
